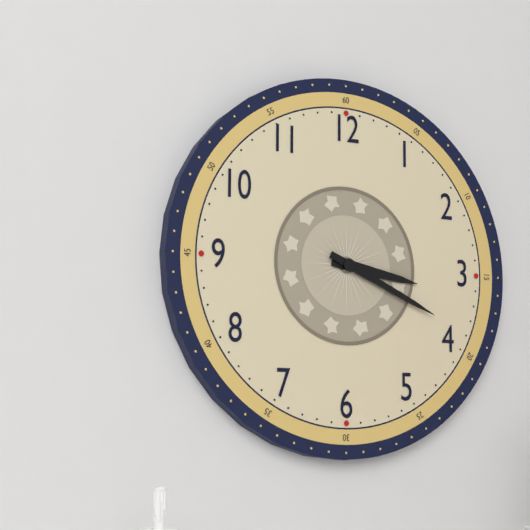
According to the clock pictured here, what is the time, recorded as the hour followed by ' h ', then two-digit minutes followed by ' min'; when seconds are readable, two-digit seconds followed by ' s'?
3 h 19 min
